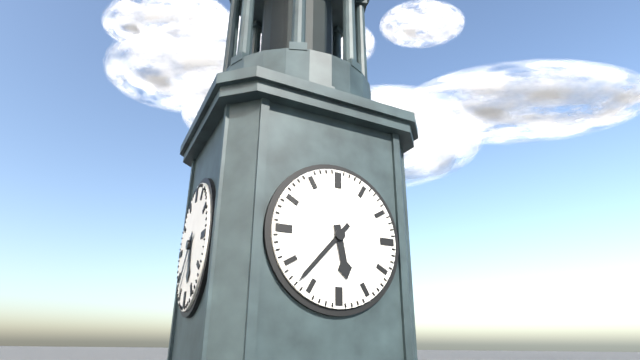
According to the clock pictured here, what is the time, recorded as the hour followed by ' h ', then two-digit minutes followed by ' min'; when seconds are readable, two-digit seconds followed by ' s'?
5 h 37 min
